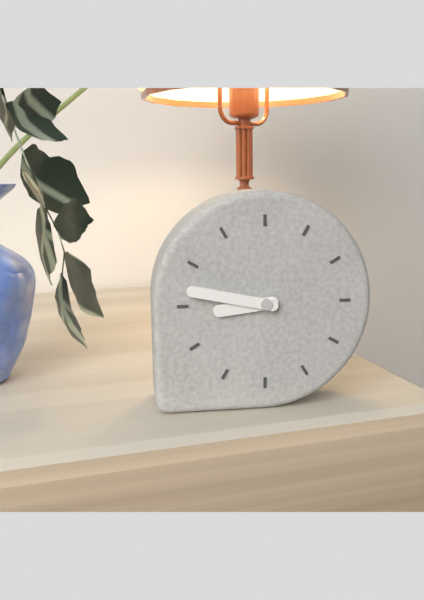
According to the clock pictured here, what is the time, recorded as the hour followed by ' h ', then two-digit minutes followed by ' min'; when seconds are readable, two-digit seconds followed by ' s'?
8 h 47 min
